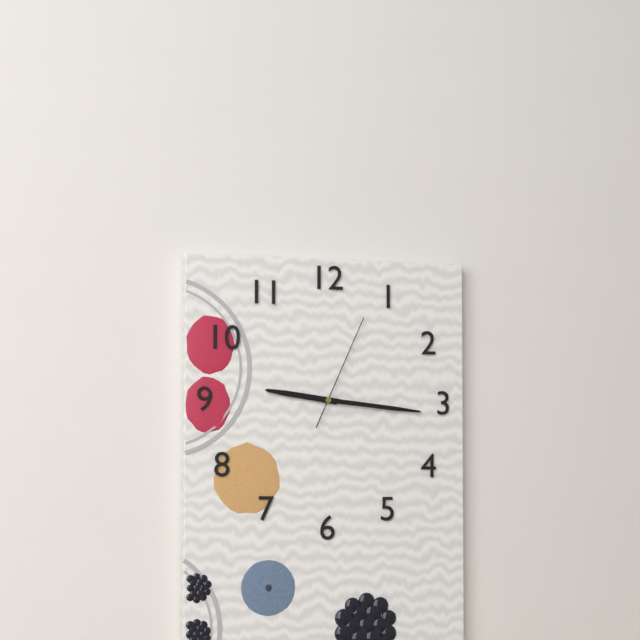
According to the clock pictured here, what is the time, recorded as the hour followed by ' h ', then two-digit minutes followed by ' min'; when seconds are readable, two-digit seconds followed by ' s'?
9 h 16 min 04 s
